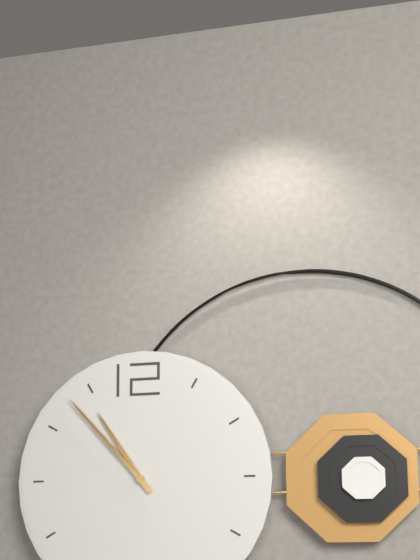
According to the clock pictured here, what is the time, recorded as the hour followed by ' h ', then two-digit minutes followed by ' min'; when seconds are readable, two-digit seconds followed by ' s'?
10 h 53 min
